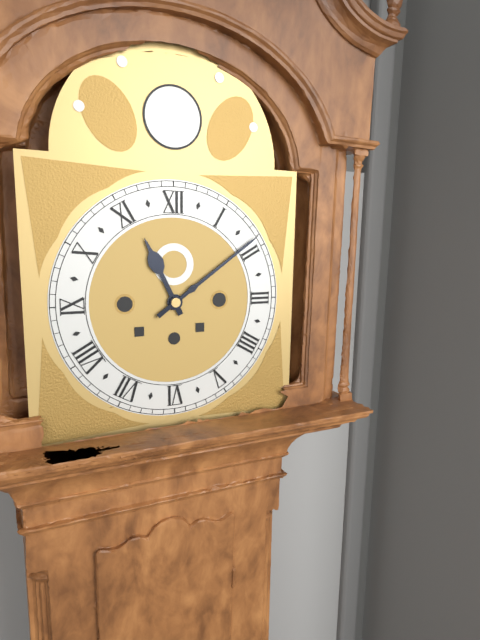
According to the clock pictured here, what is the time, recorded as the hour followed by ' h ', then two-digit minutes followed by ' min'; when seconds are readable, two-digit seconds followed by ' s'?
11 h 09 min
